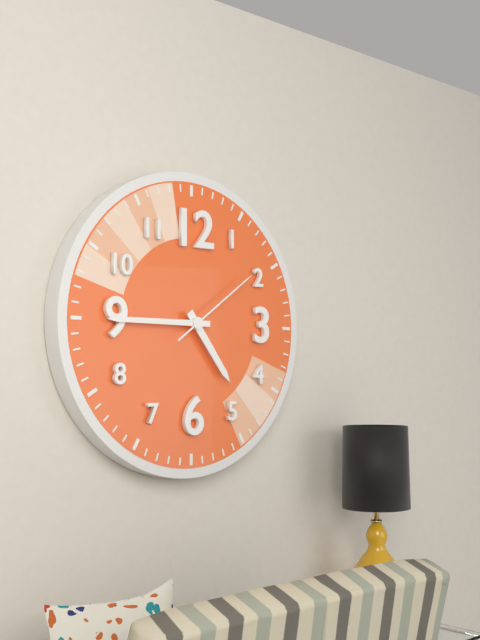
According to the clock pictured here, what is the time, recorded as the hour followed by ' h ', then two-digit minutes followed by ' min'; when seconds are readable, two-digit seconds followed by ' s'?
4 h 45 min 09 s
